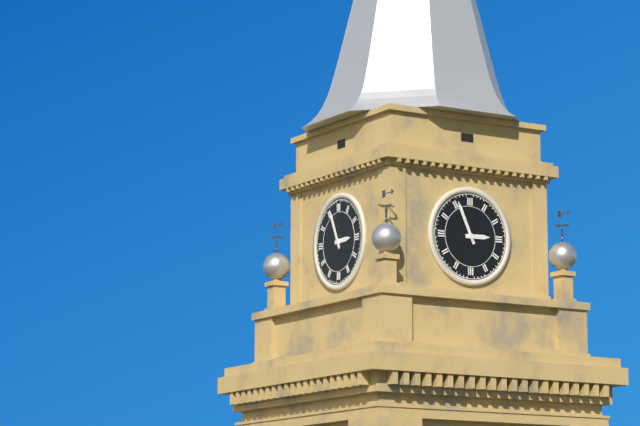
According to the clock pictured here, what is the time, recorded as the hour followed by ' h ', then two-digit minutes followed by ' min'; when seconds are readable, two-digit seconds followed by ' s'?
2 h 56 min
